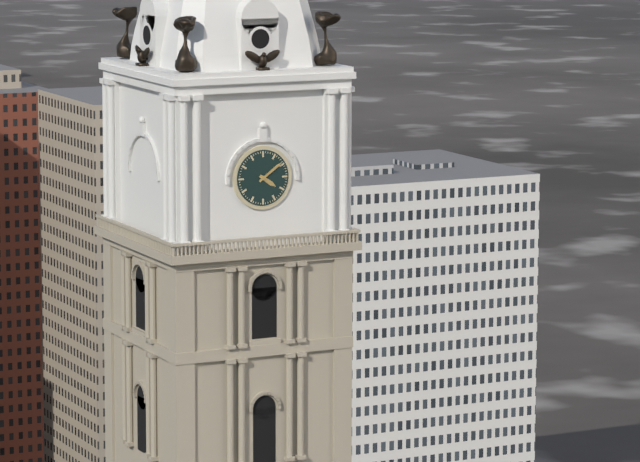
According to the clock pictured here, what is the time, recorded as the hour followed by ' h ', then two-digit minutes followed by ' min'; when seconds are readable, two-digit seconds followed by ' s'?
4 h 09 min
